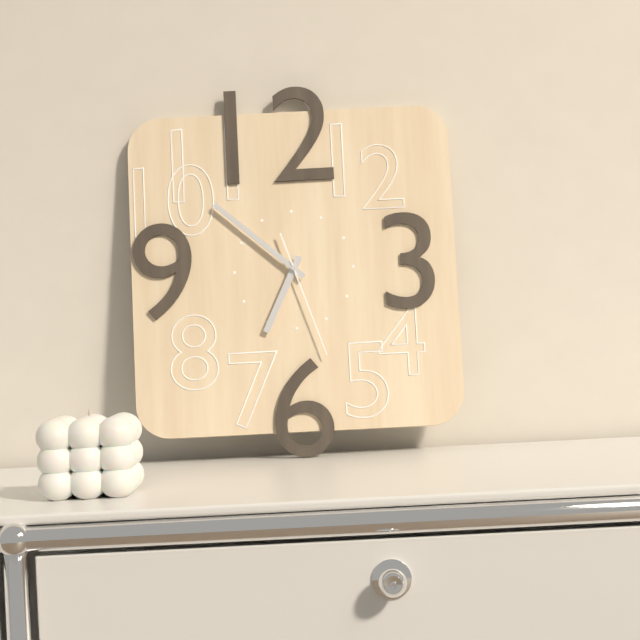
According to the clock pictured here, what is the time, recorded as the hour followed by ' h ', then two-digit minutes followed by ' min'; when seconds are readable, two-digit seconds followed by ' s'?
6 h 52 min 27 s
